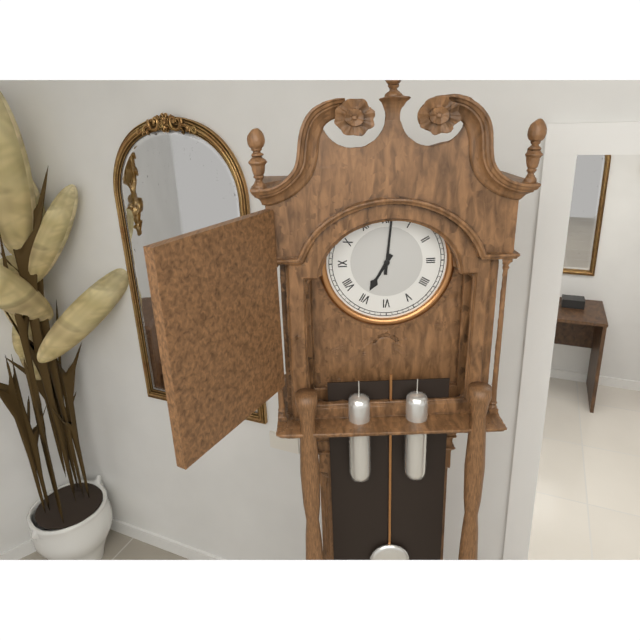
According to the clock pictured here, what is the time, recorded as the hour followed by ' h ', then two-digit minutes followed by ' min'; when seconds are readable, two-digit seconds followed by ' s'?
7 h 01 min
